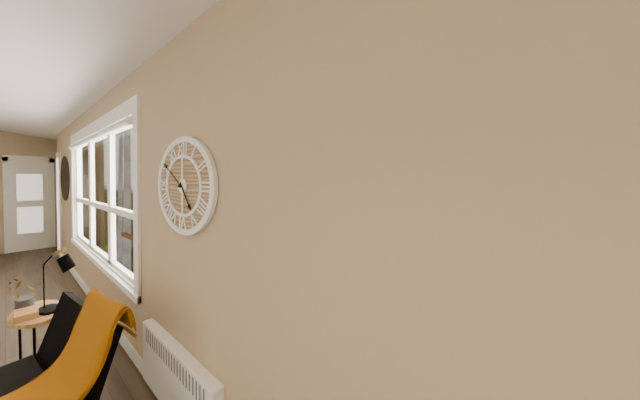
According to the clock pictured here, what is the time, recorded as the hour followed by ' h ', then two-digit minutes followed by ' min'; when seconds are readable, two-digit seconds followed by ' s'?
4 h 51 min
